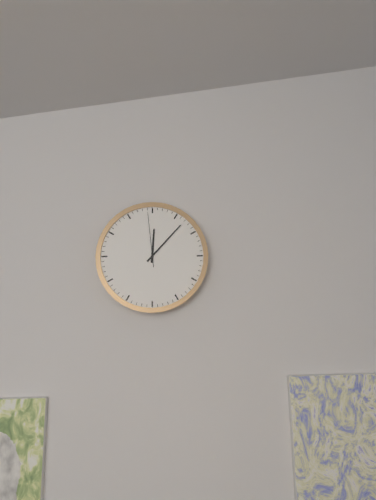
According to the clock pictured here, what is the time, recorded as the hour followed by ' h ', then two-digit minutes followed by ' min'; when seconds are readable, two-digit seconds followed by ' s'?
12 h 07 min 59 s
